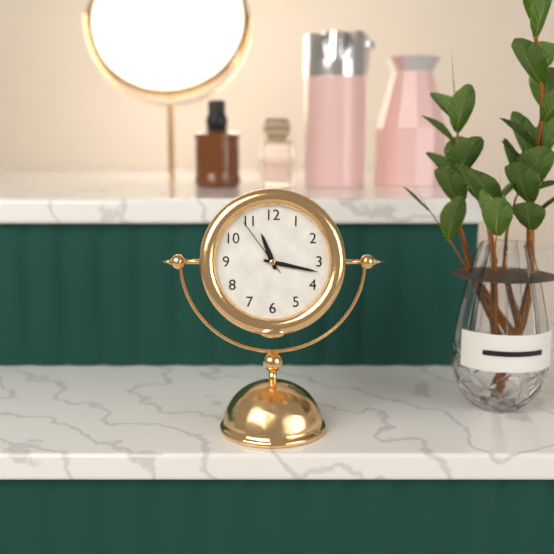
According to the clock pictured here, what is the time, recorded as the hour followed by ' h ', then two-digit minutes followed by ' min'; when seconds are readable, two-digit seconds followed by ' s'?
11 h 17 min 54 s
